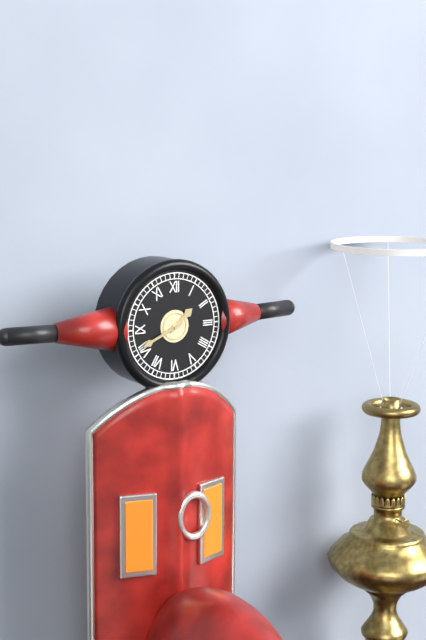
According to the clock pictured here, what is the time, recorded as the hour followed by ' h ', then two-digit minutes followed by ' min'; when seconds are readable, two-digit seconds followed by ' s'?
1 h 41 min
